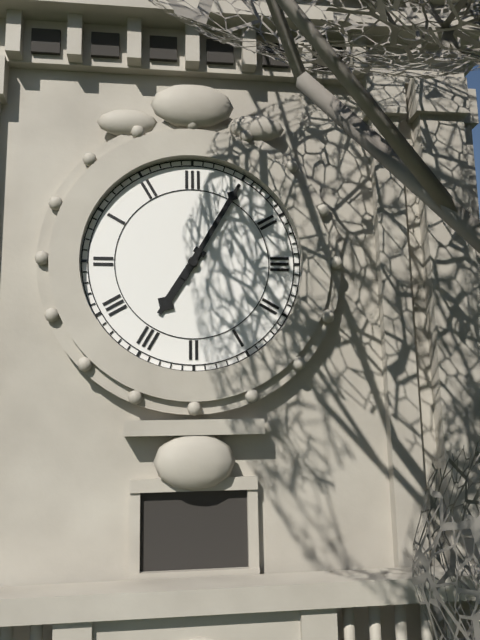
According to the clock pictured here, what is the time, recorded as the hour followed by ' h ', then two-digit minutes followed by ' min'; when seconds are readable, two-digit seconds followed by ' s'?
7 h 05 min
